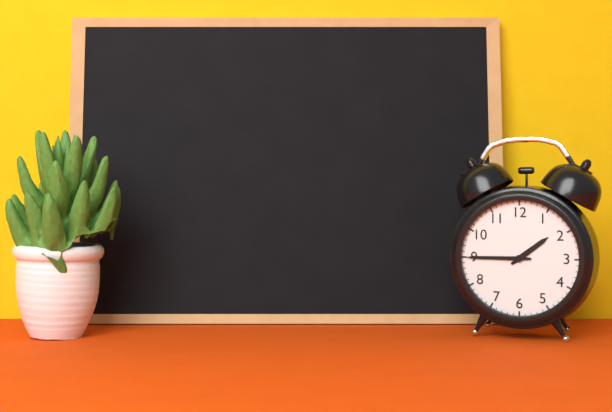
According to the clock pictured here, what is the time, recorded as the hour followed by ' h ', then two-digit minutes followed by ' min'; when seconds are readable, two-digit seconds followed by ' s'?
1 h 45 min
